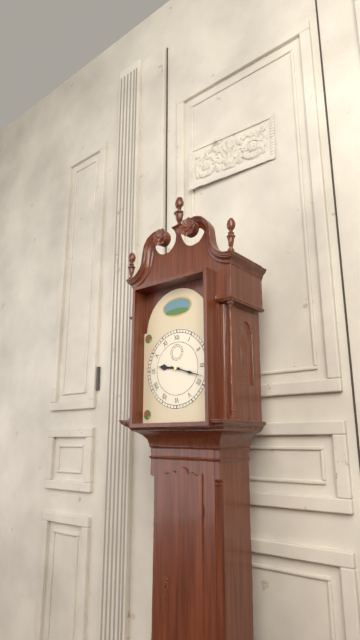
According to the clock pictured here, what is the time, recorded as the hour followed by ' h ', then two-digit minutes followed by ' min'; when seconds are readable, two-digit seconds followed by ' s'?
9 h 18 min
